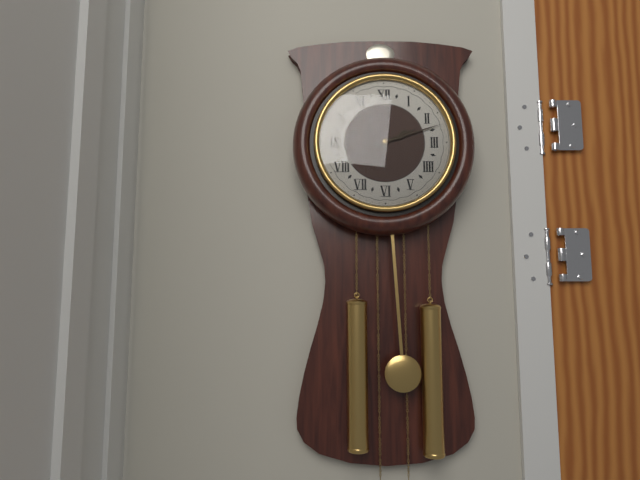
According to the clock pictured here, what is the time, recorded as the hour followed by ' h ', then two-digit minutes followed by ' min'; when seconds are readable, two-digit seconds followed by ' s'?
2 h 12 min
